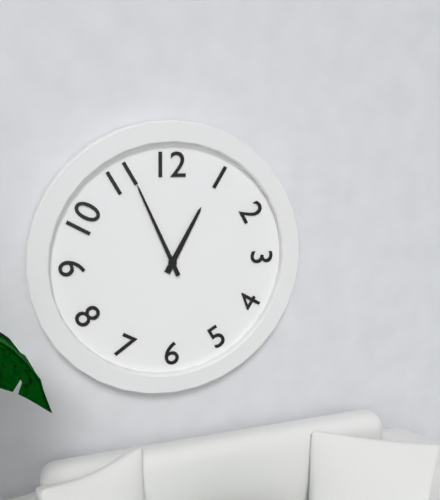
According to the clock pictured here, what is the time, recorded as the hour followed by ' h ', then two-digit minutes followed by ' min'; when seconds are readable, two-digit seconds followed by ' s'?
12 h 56 min
